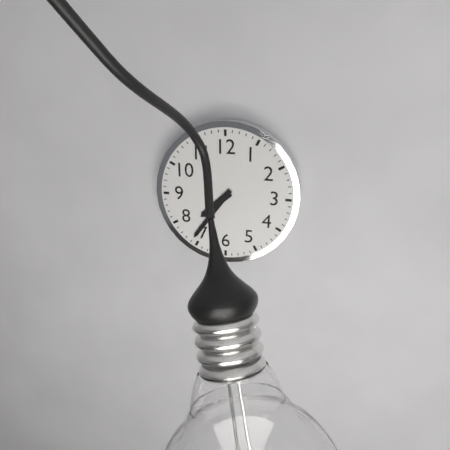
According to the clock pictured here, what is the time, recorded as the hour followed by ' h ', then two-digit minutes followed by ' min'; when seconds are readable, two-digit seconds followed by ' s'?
7 h 36 min
